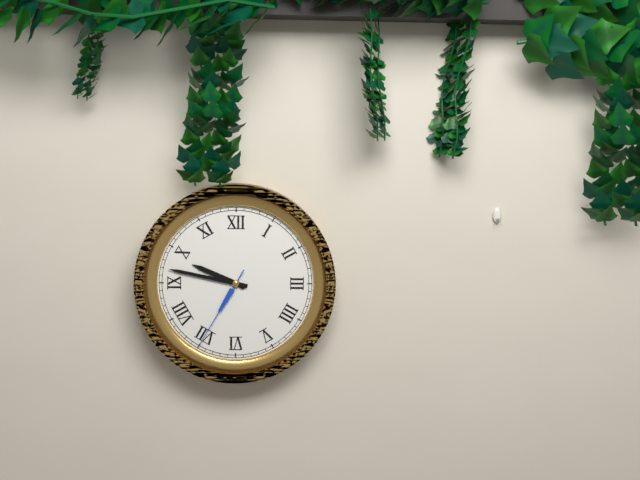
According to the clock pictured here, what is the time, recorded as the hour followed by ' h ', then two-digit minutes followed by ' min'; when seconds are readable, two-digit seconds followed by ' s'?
9 h 47 min 35 s
